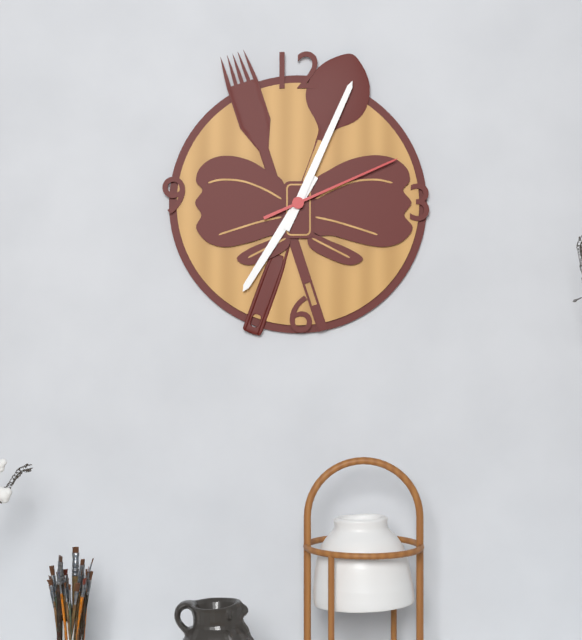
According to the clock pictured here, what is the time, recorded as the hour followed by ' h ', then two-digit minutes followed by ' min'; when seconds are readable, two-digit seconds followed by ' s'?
7 h 04 min 11 s
